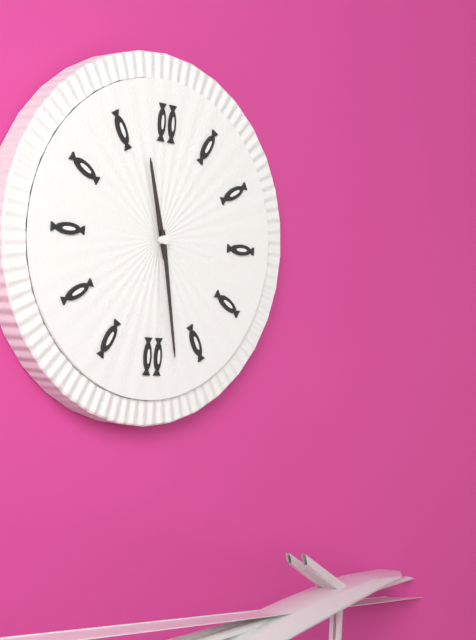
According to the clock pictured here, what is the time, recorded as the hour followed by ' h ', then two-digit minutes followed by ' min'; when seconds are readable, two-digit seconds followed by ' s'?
11 h 28 min
